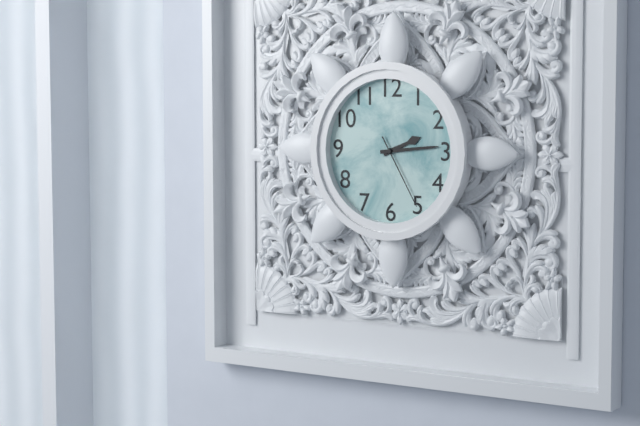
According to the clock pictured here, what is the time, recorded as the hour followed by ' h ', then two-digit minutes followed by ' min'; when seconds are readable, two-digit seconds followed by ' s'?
2 h 14 min 25 s
